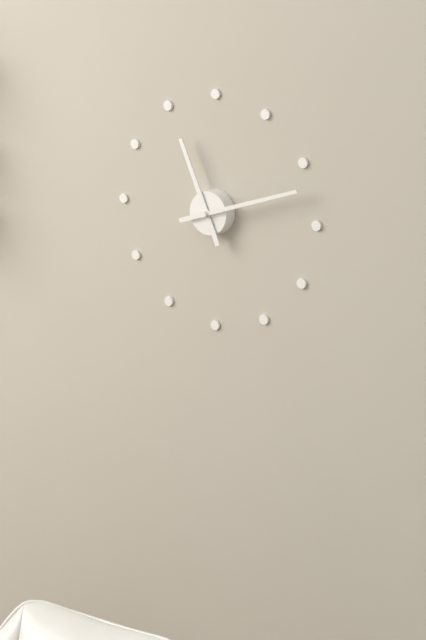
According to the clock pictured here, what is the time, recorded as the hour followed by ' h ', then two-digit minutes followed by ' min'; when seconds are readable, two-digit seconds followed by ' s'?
11 h 12 min
